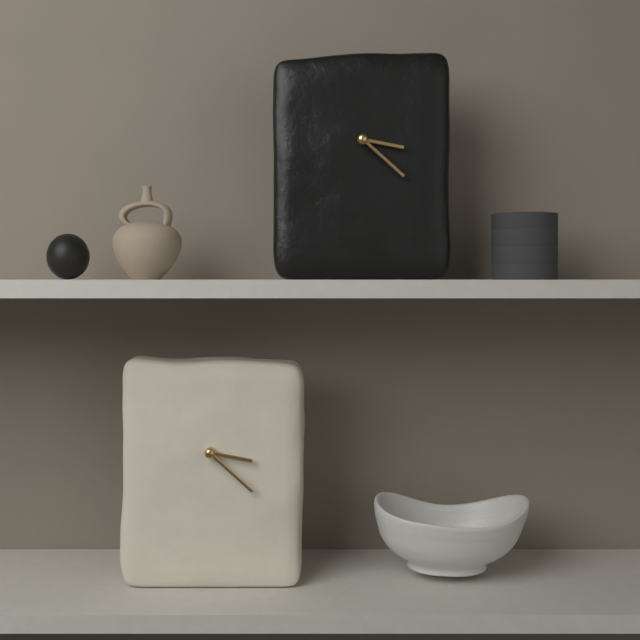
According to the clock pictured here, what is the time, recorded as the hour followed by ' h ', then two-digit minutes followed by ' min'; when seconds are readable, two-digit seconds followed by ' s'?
3 h 22 min
